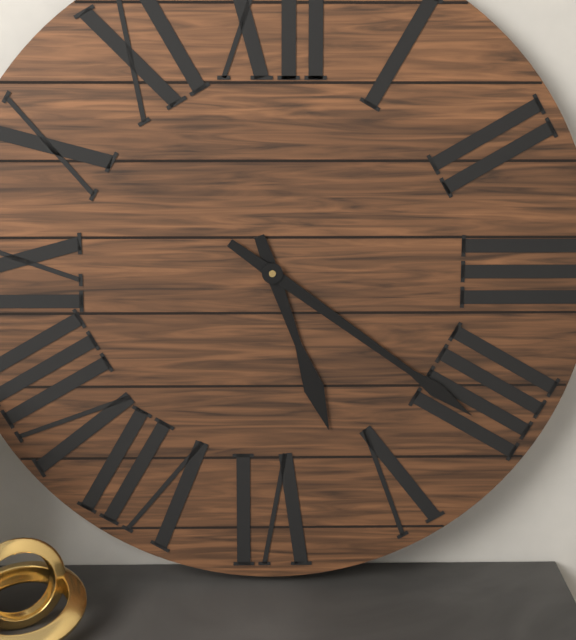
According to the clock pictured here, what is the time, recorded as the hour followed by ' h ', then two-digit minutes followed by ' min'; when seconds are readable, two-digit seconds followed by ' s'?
5 h 21 min
